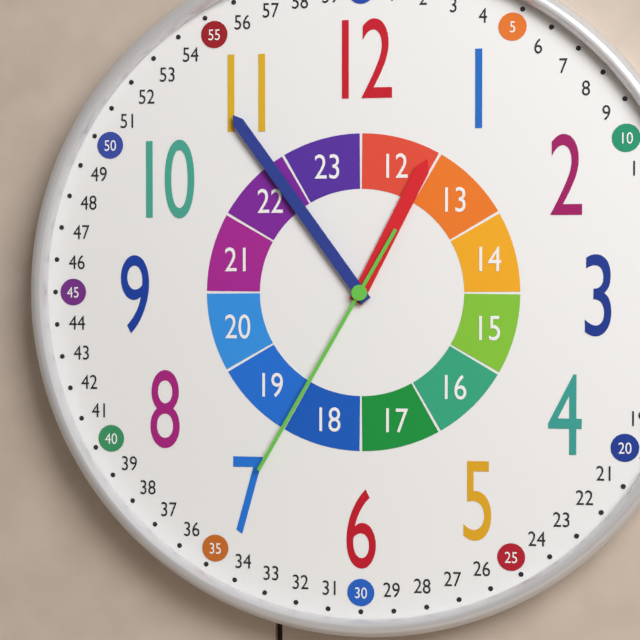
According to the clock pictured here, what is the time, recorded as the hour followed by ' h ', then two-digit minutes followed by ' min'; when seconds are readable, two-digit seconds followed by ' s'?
12 h 54 min 35 s
